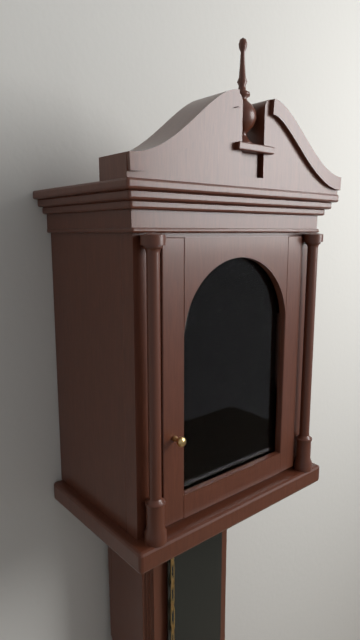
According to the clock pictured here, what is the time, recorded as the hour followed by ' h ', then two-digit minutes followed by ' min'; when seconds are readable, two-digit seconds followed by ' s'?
6 h 13 min
